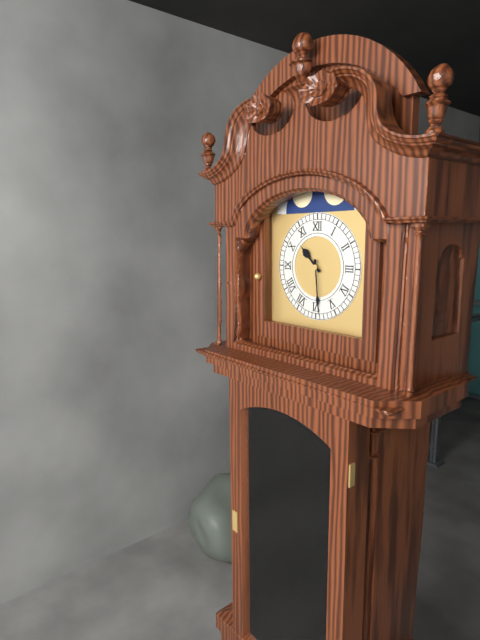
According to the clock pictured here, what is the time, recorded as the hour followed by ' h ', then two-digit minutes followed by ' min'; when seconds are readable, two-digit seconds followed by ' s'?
10 h 29 min
